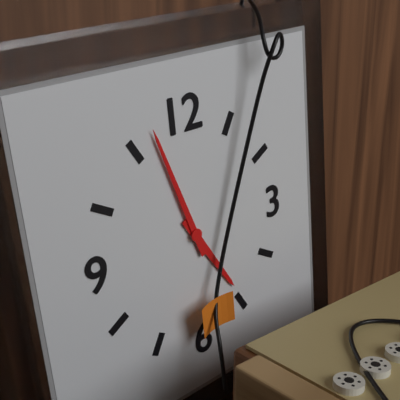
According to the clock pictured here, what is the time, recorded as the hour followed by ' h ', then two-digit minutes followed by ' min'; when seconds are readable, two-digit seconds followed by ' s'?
4 h 57 min
